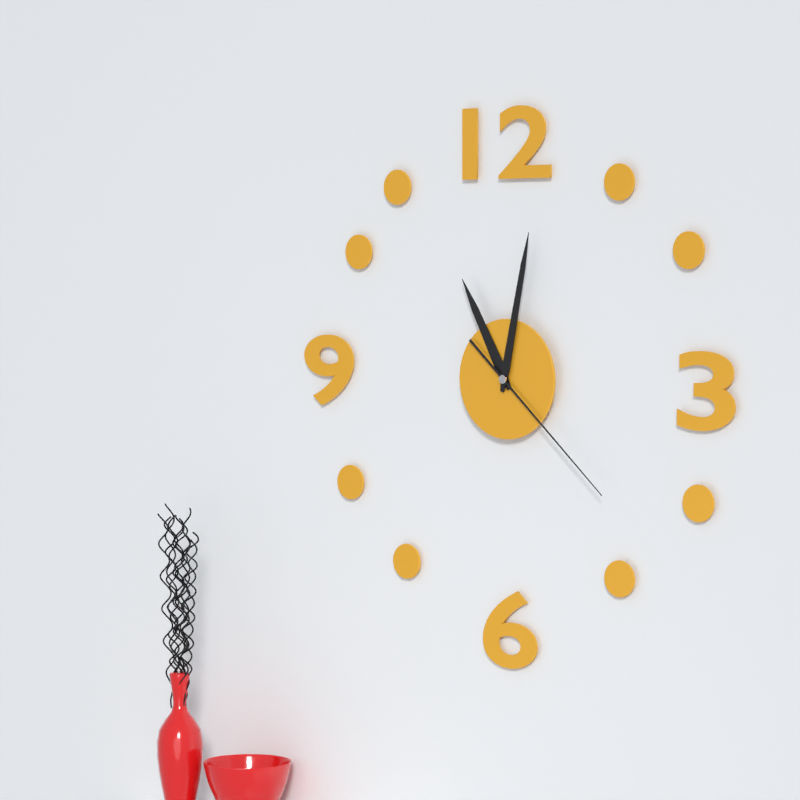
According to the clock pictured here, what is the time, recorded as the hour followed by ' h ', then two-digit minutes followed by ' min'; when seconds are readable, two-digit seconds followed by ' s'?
11 h 02 min 22 s
